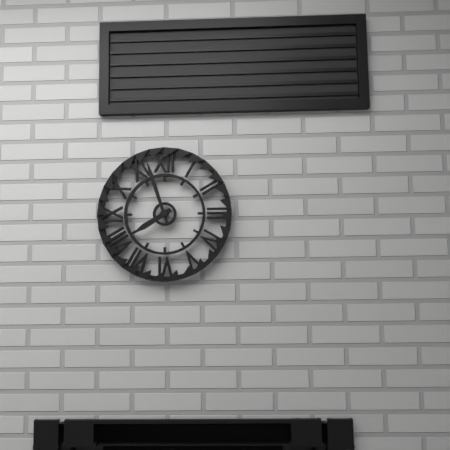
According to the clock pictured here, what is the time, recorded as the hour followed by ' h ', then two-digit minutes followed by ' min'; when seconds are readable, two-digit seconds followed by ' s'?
7 h 57 min
